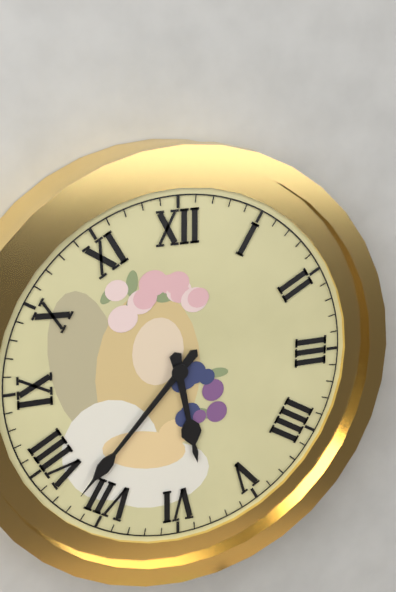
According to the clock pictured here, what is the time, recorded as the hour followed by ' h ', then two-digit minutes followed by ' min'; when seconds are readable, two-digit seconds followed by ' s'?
5 h 37 min
